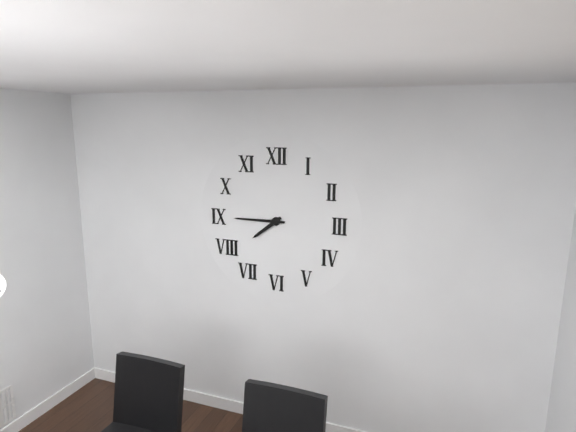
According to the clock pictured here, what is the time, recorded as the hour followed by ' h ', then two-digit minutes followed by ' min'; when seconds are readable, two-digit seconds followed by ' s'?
7 h 45 min
